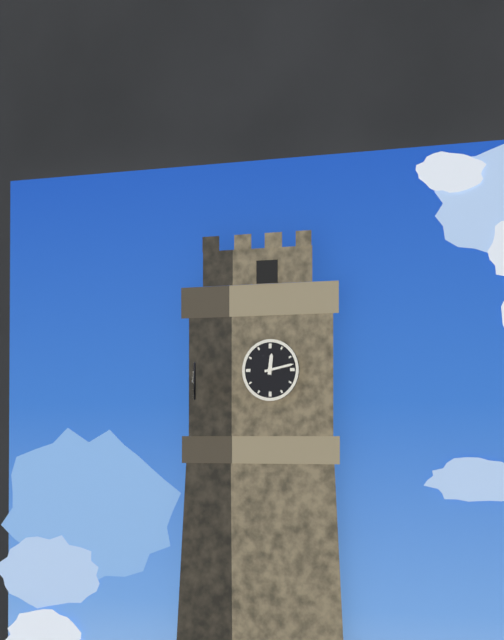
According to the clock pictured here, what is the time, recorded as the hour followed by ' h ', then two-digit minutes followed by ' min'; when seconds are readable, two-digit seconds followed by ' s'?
12 h 13 min
